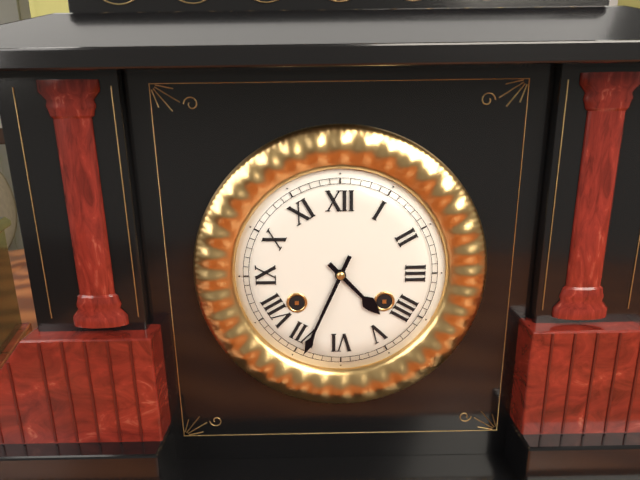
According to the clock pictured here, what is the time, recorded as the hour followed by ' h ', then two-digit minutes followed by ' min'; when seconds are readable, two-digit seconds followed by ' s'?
4 h 34 min
